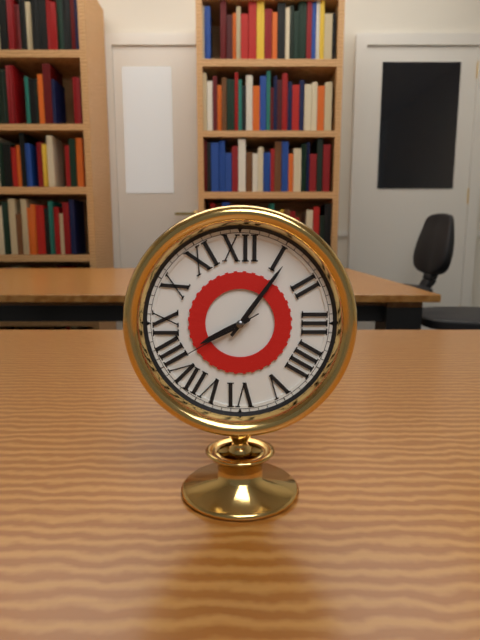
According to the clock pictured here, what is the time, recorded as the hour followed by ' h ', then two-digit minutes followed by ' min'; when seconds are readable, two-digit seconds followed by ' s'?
8 h 06 min 40 s
